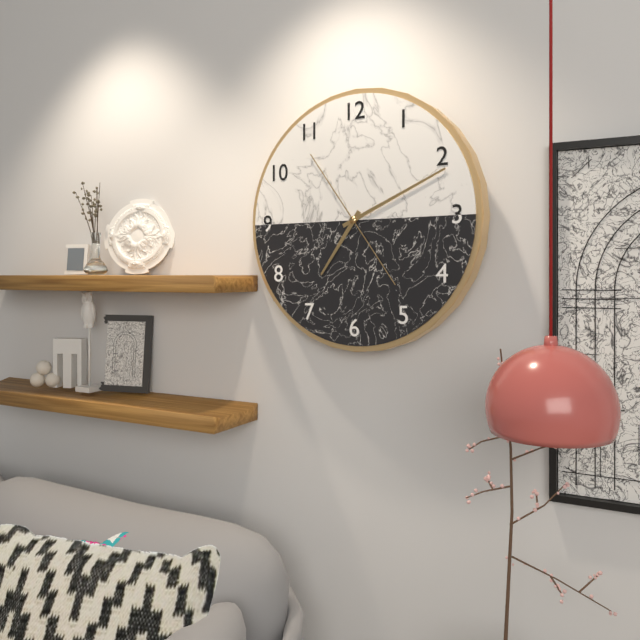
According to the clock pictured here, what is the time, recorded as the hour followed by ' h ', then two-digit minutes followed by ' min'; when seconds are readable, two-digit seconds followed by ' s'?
7 h 11 min 54 s
